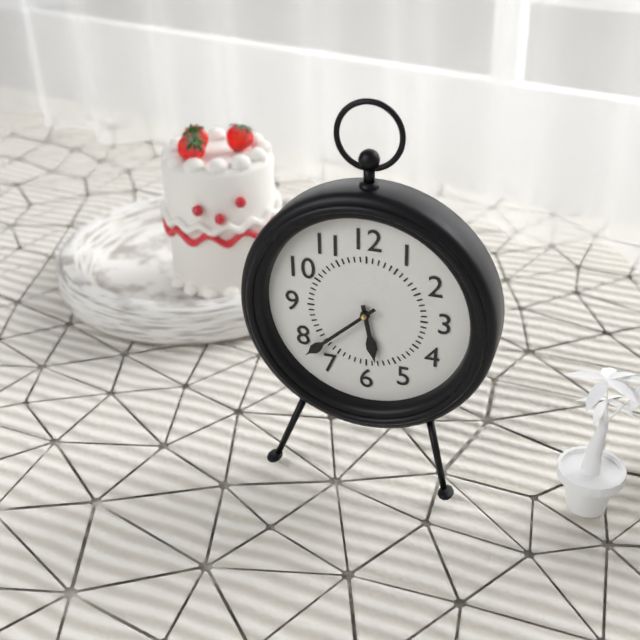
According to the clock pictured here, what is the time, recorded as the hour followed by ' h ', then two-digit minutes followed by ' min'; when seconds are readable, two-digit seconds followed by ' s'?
5 h 38 min
